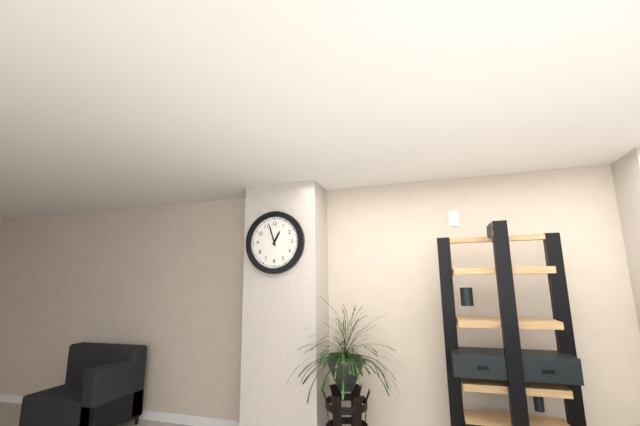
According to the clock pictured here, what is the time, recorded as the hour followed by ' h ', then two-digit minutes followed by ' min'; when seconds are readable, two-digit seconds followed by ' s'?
12 h 57 min
